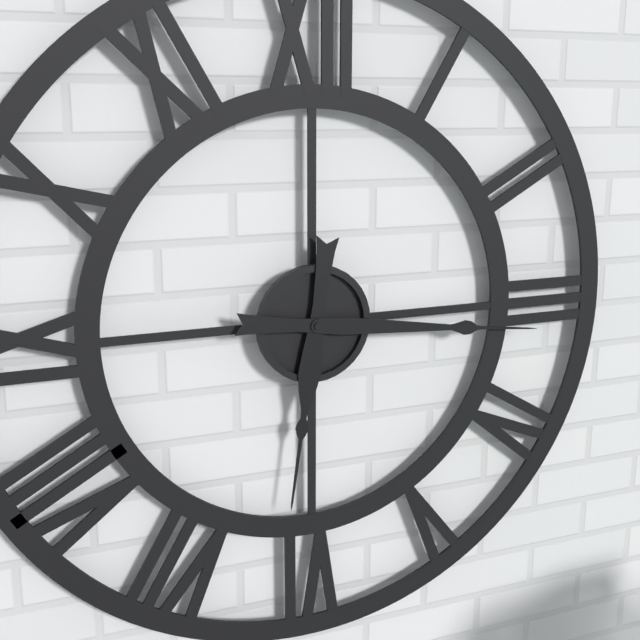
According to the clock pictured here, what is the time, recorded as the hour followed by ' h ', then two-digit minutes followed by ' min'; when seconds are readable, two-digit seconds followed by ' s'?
6 h 16 min
